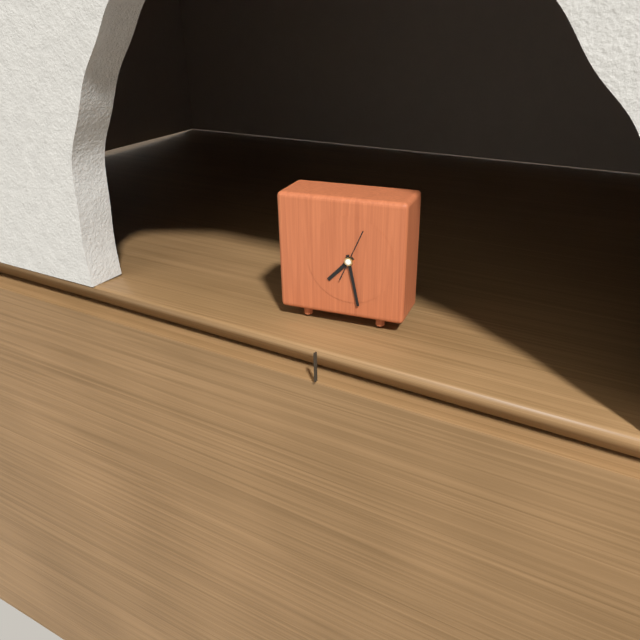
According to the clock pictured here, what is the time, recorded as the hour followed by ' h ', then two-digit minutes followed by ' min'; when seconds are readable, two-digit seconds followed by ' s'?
7 h 28 min
